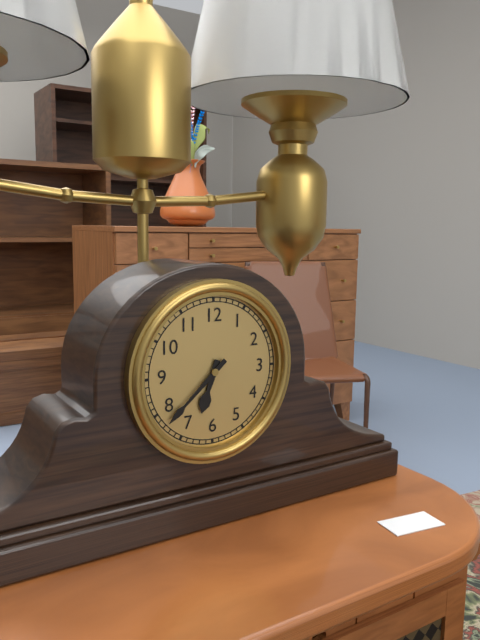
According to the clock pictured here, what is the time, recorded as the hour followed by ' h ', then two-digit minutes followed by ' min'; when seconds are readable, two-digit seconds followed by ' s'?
6 h 38 min
